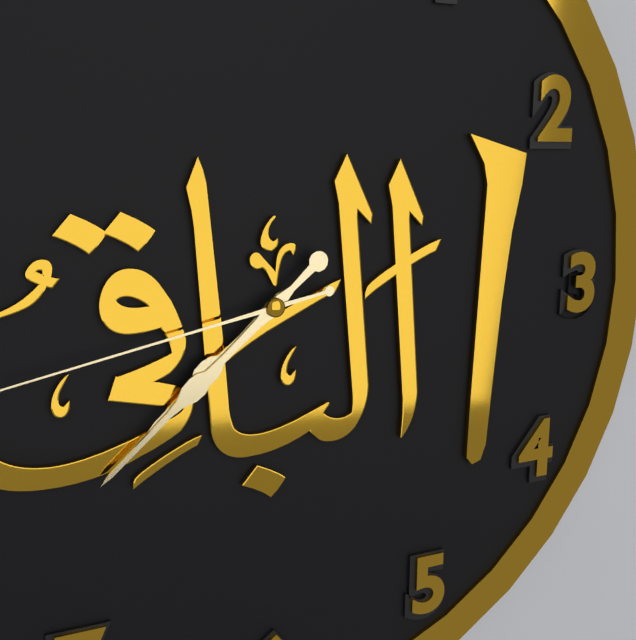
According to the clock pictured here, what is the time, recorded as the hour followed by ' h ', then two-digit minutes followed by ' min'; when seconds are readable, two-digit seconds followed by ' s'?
7 h 38 min
